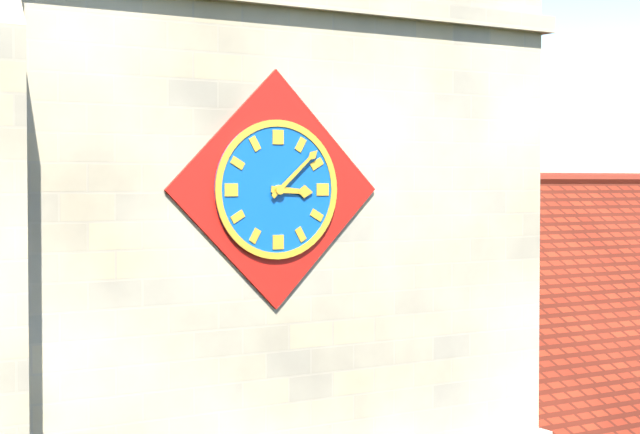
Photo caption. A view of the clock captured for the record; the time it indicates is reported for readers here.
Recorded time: 3:08
